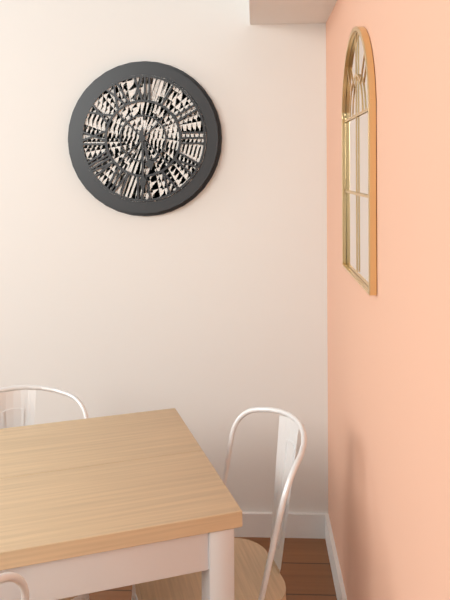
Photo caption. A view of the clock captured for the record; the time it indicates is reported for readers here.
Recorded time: 5:30
